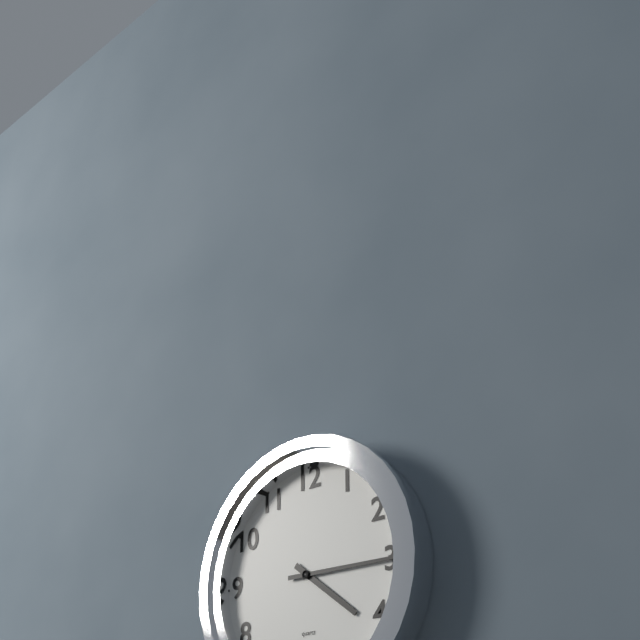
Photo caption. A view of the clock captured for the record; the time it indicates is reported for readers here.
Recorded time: 4:15
